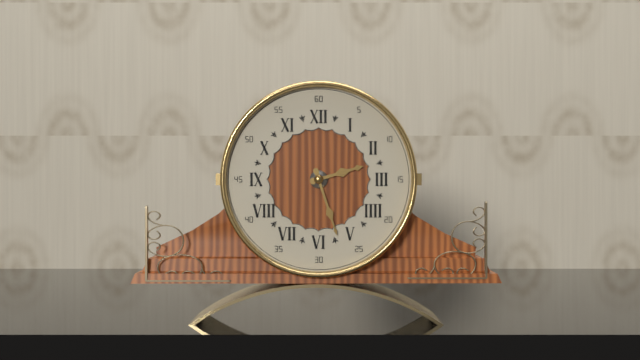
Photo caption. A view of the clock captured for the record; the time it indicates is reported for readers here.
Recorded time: 2:27
